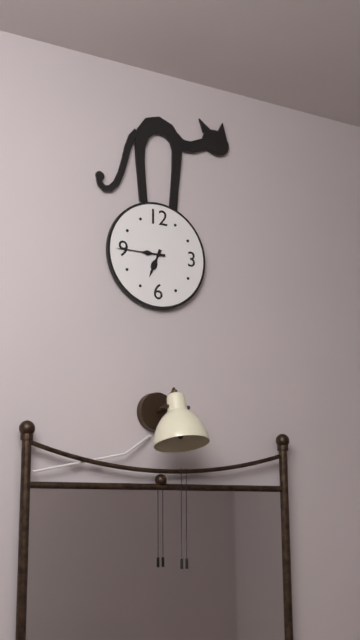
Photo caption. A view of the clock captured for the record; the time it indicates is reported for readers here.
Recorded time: 6:45
